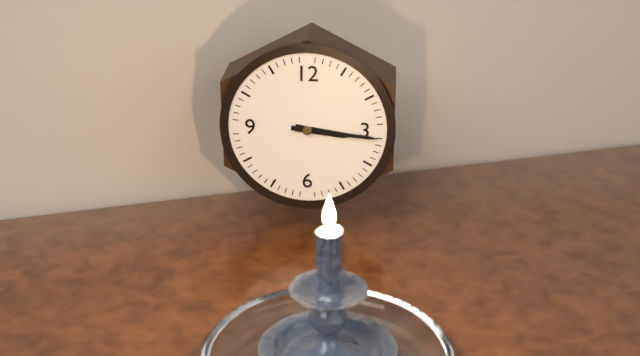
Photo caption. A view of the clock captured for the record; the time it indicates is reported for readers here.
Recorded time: 3:16
